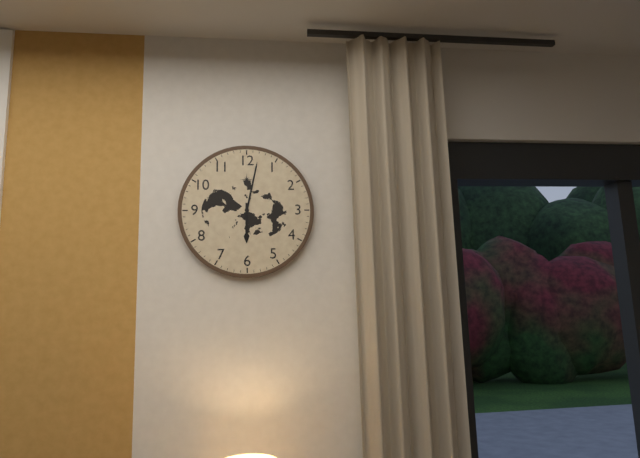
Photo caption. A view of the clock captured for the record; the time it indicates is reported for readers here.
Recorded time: 6:02
